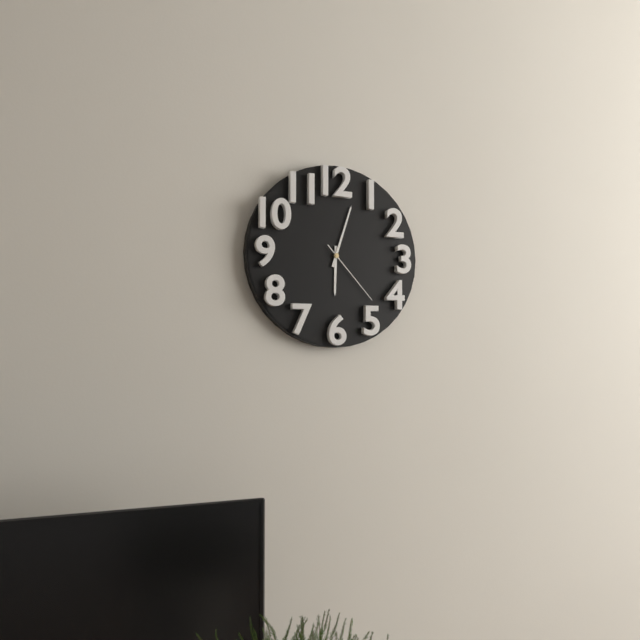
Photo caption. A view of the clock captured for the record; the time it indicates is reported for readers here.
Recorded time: 6:03:23
